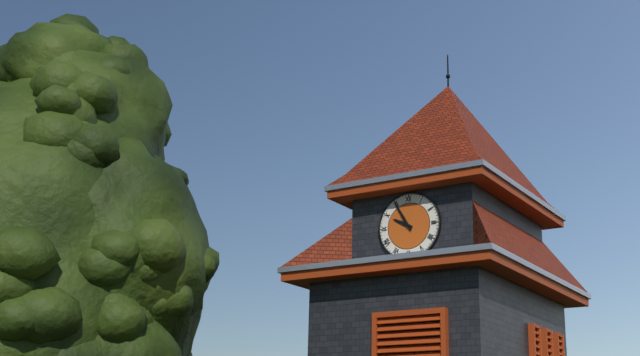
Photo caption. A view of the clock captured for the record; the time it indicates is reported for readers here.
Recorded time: 9:55
